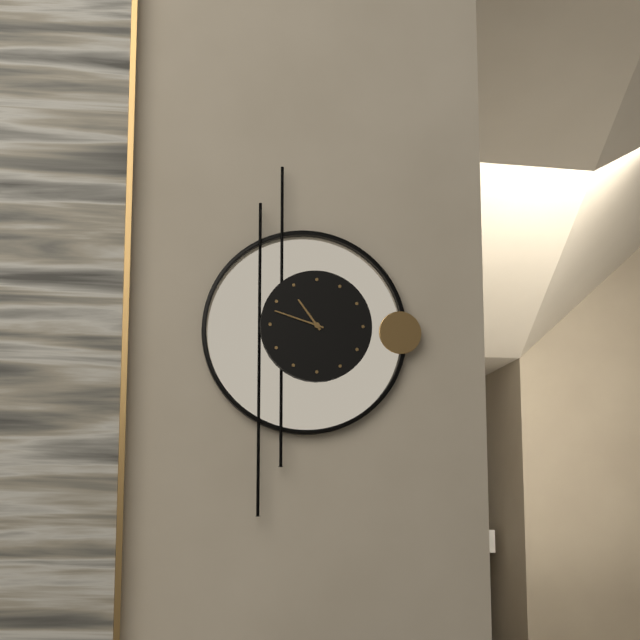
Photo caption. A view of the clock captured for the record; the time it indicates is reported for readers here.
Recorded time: 10:48
